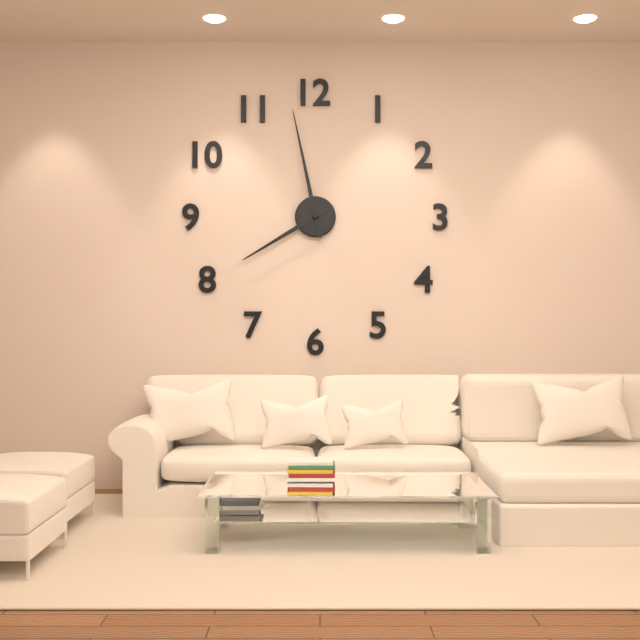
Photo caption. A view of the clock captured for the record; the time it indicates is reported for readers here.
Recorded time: 7:58
